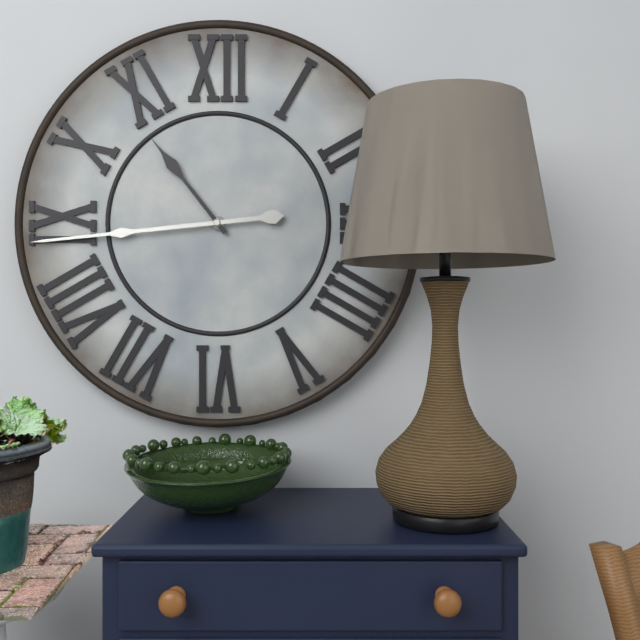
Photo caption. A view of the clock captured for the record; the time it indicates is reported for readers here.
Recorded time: 10:44
